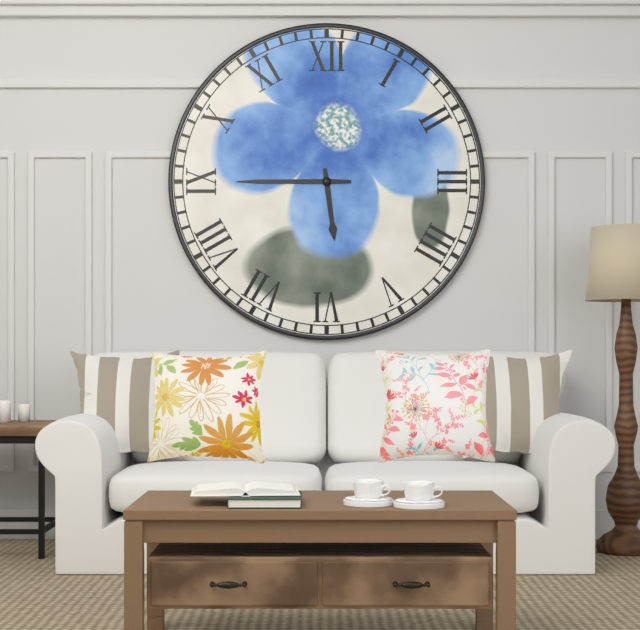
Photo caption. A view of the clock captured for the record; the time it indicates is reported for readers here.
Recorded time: 5:45
